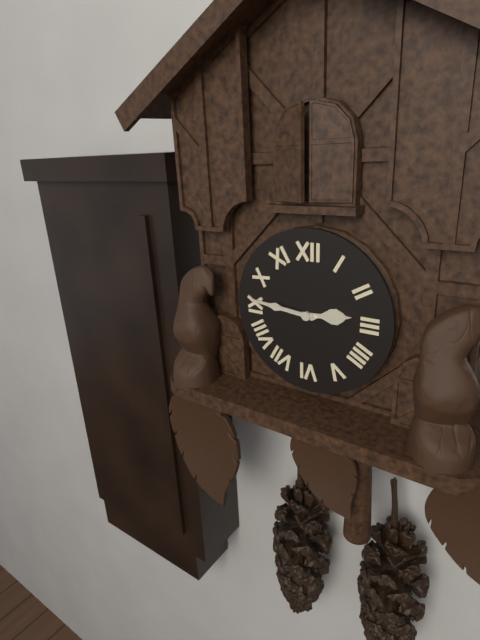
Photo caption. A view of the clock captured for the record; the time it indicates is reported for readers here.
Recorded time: 2:46
